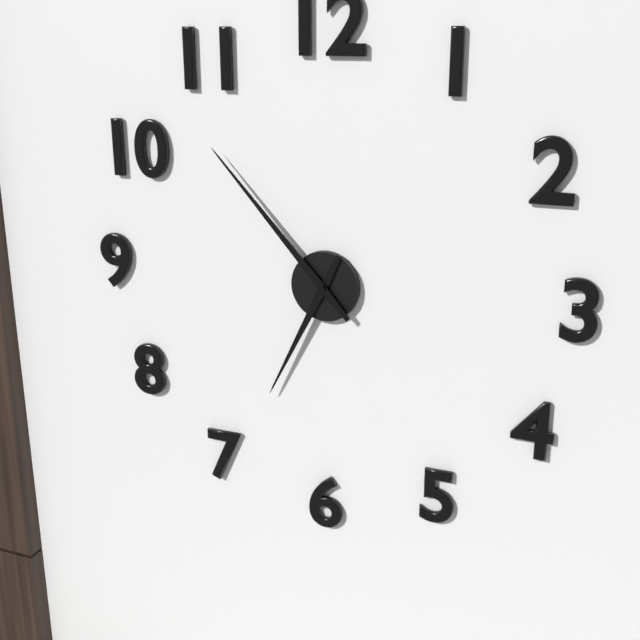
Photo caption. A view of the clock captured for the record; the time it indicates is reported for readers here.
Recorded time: 6:53
